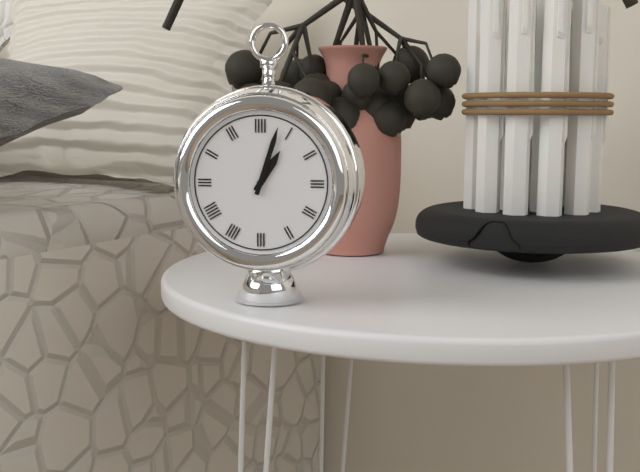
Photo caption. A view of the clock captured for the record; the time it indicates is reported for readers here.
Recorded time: 1:03
